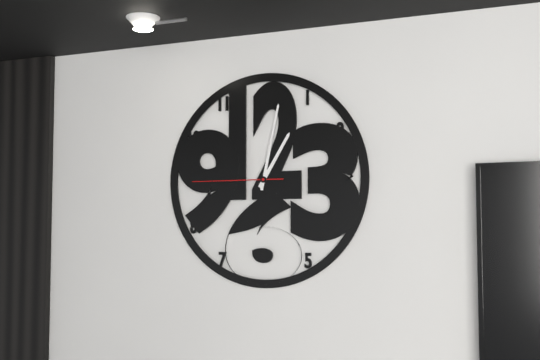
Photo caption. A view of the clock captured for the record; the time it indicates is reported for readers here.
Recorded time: 1:02:45
